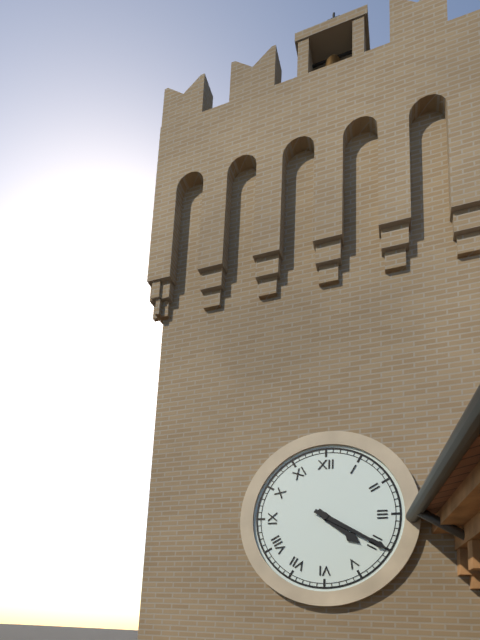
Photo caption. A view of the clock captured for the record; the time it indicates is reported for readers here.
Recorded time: 4:20
